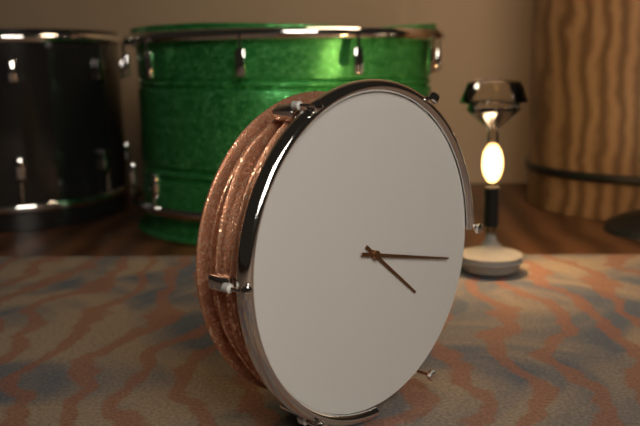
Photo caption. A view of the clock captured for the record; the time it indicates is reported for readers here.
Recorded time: 4:17
